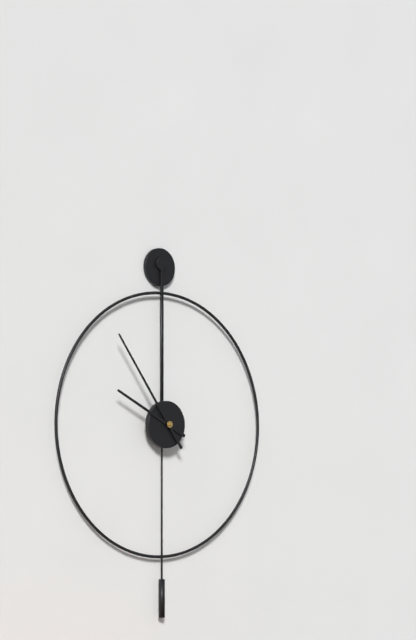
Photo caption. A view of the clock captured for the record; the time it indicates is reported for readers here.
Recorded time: 9:54
